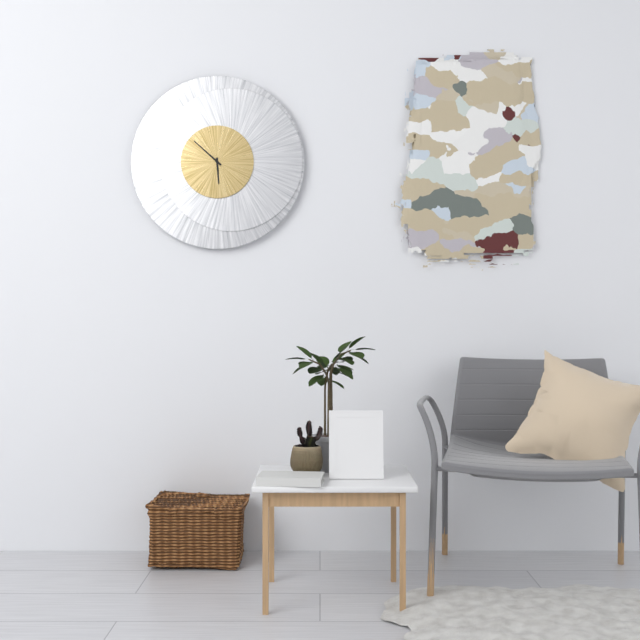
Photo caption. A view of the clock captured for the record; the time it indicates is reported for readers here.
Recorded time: 5:52
